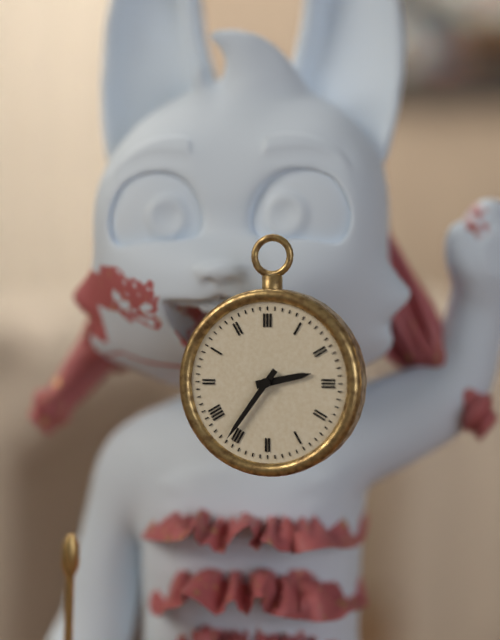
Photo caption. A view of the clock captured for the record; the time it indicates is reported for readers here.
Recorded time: 2:36
